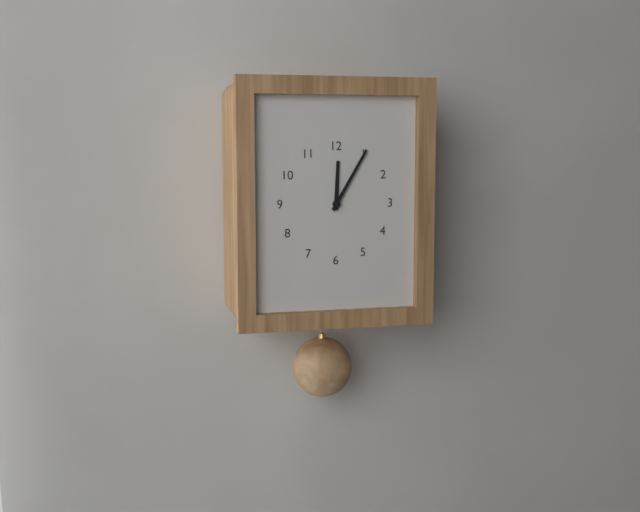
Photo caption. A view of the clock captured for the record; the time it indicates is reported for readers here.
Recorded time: 12:05
